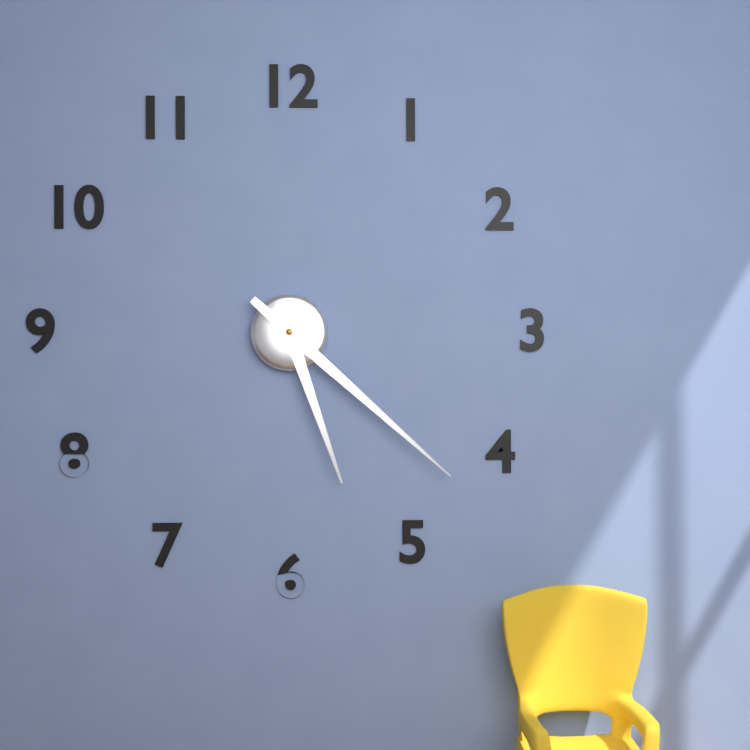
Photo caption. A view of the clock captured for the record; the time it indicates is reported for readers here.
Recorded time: 5:22
